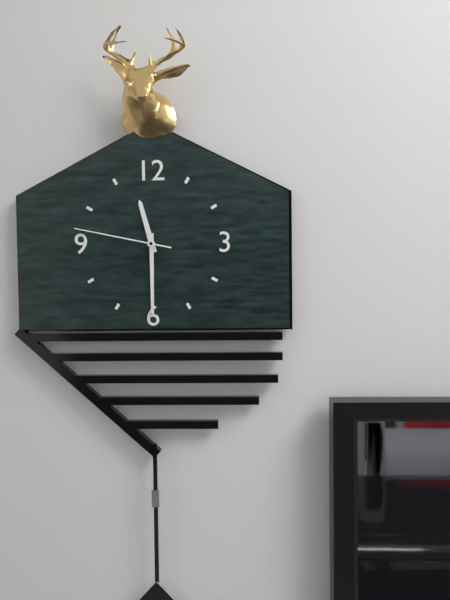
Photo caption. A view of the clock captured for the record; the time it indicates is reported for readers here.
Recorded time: 11:30:47
